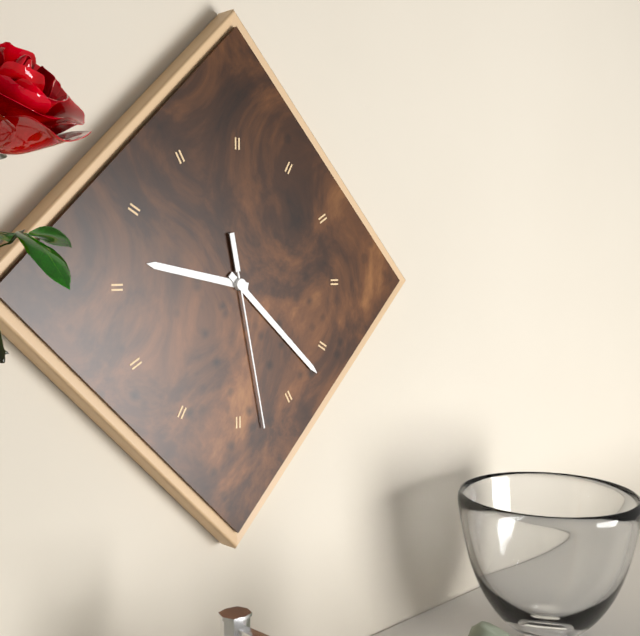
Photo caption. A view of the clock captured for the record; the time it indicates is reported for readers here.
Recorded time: 9:22:28
